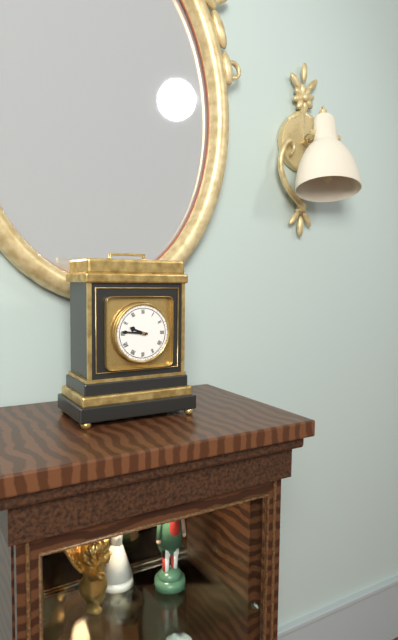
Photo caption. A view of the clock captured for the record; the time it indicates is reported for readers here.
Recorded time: 9:46
